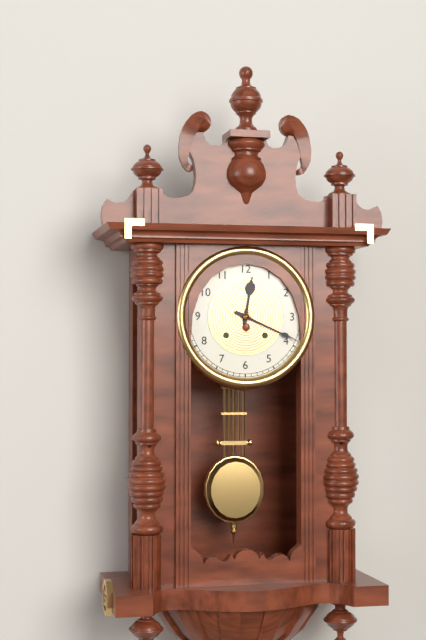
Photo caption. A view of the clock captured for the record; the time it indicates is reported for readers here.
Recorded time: 12:19
